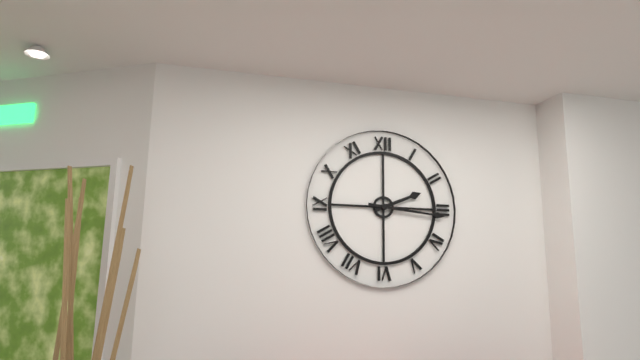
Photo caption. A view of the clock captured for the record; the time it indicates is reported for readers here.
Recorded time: 2:16
